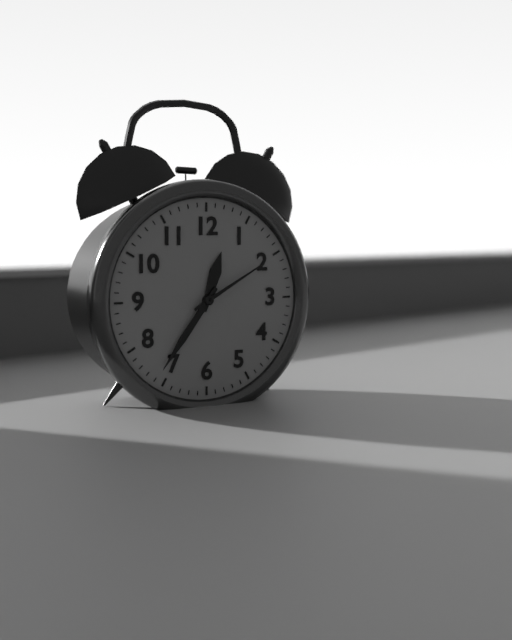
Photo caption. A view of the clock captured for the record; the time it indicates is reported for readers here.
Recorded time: 12:36:10
